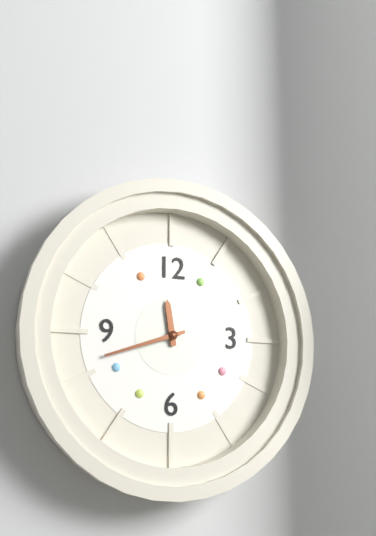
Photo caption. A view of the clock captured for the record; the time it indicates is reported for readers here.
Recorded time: 11:42
